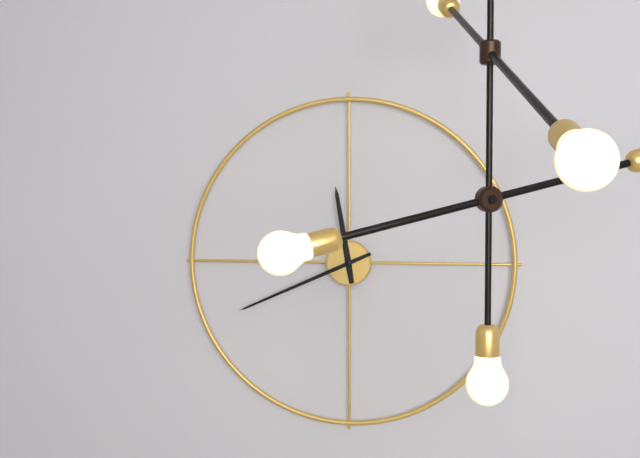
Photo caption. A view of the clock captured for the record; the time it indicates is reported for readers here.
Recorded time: 11:41
